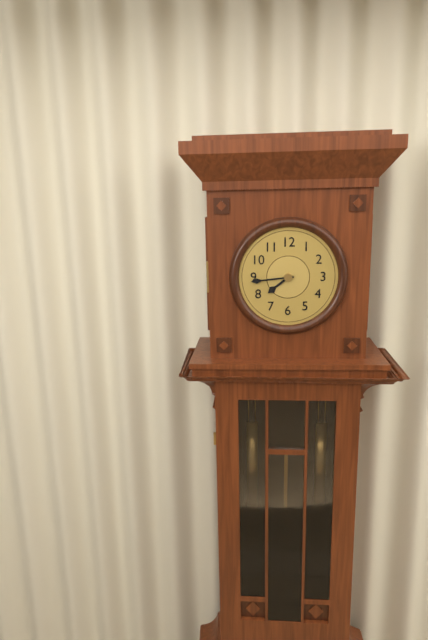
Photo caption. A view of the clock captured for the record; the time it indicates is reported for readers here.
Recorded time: 7:44
